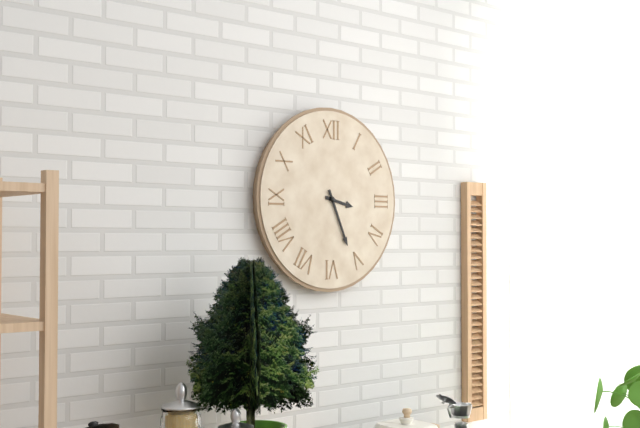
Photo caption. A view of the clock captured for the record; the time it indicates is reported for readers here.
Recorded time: 3:26
